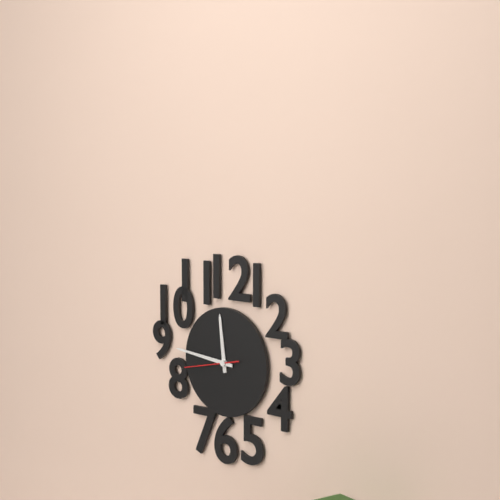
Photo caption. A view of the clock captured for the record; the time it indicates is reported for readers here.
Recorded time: 11:46
